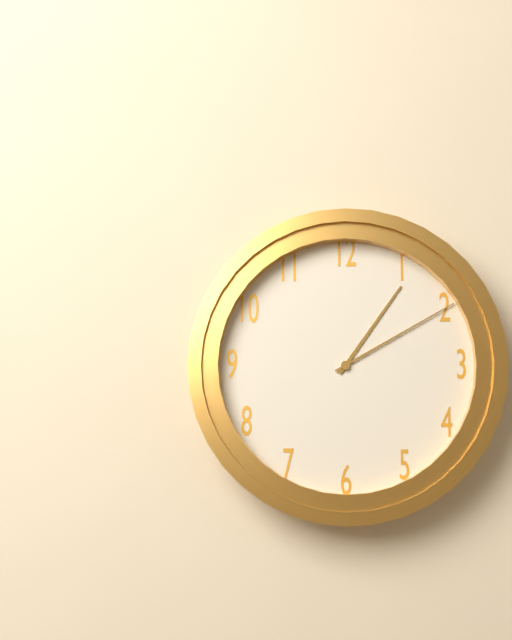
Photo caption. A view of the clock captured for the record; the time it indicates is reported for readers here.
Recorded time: 1:10
